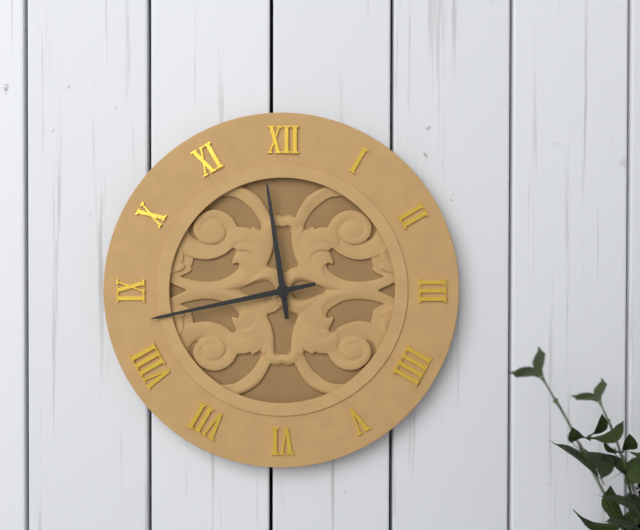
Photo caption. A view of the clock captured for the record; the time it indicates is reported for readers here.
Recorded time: 11:43
